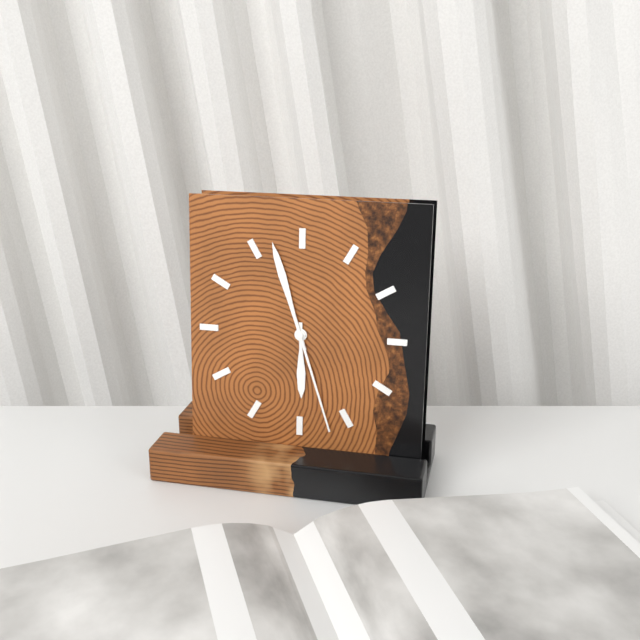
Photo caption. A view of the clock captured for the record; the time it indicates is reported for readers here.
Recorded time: 5:57:27
